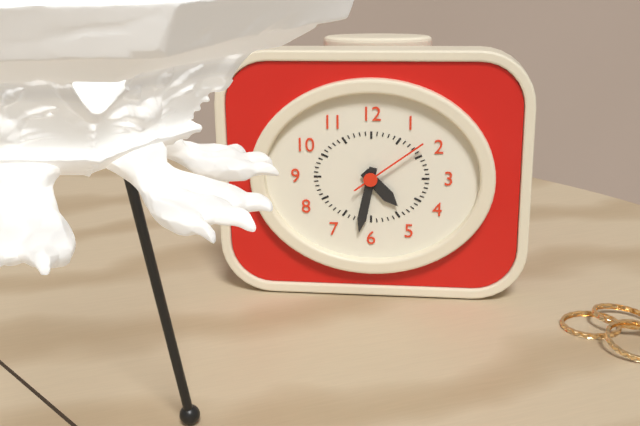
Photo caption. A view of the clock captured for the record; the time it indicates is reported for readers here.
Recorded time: 4:32:09
